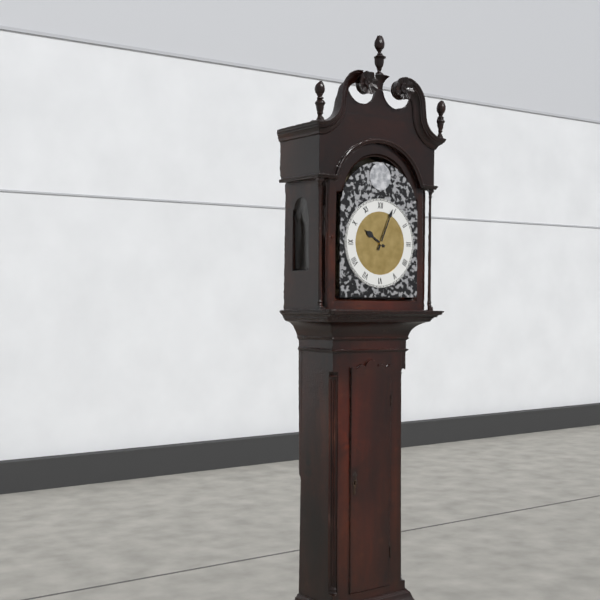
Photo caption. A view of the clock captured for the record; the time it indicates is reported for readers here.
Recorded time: 10:04
